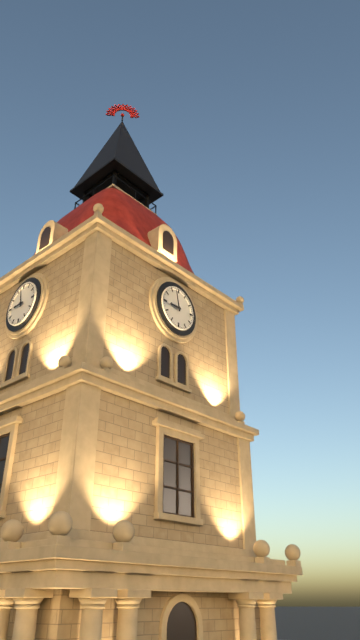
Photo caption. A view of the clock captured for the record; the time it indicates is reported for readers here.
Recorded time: 8:58
